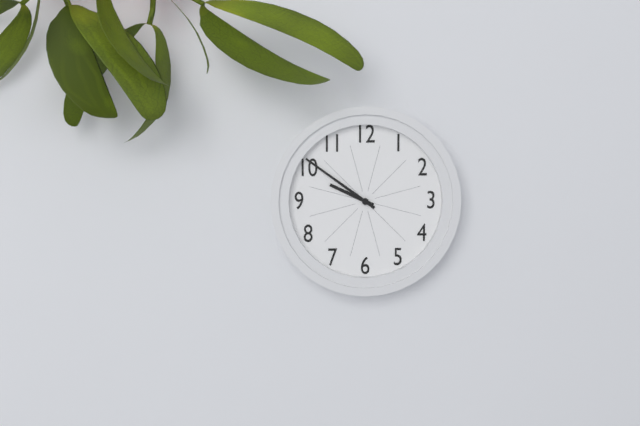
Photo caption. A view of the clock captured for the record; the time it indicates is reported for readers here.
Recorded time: 9:51
